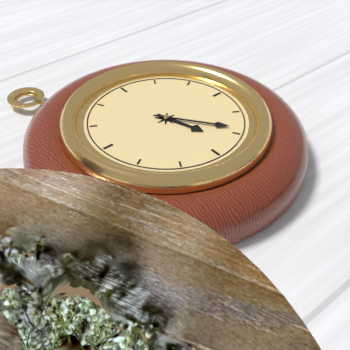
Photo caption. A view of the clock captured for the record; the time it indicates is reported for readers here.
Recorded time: 5:24
